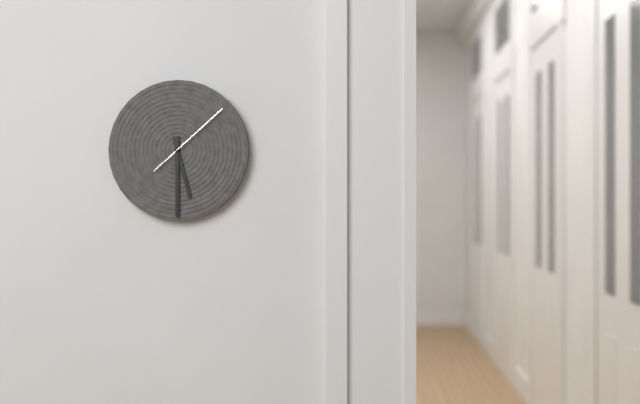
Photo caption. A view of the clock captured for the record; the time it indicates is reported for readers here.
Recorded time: 5:30:08
